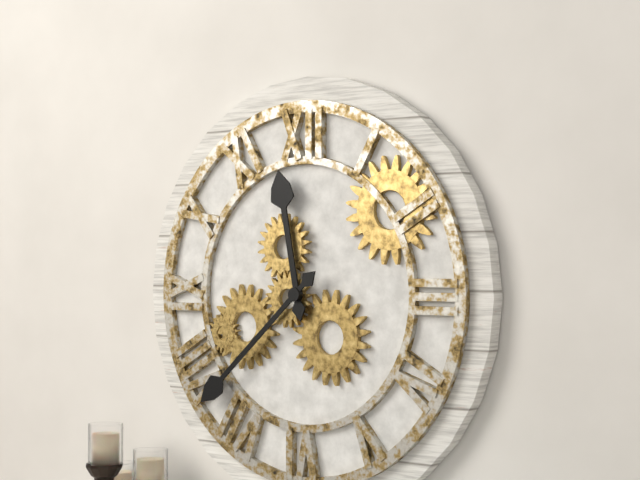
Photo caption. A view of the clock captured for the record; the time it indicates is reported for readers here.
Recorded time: 11:38
